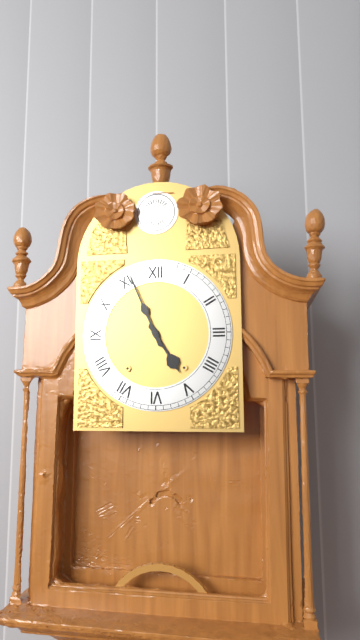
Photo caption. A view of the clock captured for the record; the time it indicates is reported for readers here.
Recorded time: 4:56
